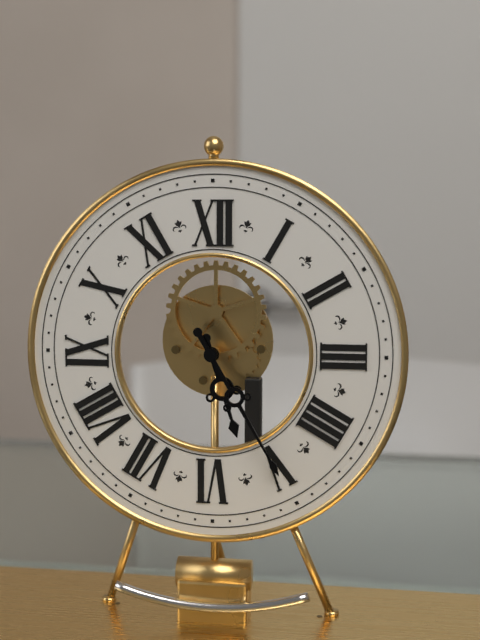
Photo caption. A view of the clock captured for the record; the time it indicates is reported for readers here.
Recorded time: 5:25
